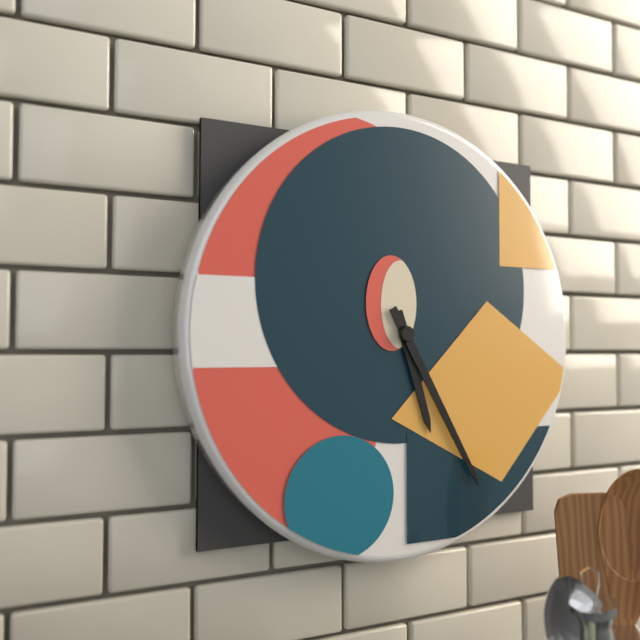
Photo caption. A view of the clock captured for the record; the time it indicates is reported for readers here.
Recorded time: 5:25
